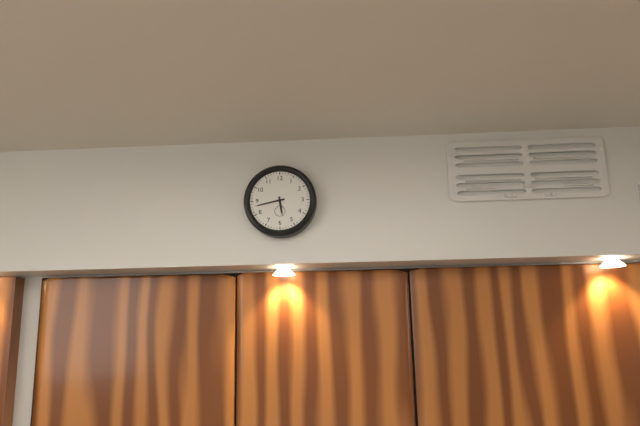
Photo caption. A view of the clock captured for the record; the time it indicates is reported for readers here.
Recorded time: 5:43
